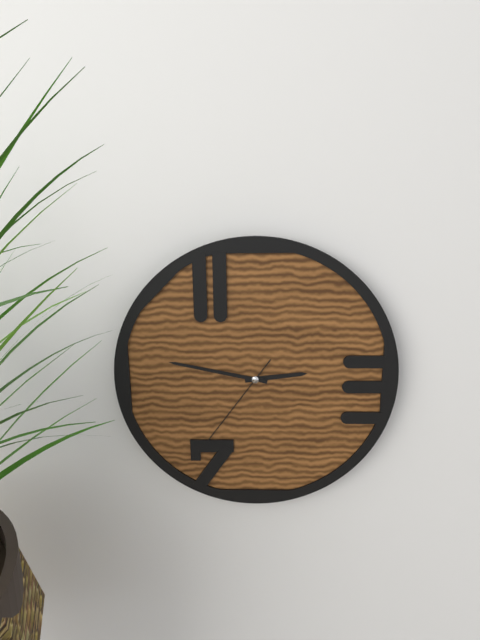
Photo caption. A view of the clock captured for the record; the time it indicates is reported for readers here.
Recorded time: 2:47:36
